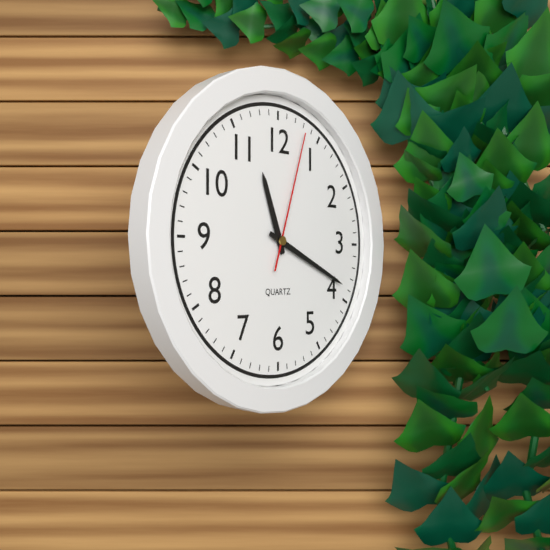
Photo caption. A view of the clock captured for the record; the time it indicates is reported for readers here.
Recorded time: 11:19:03
